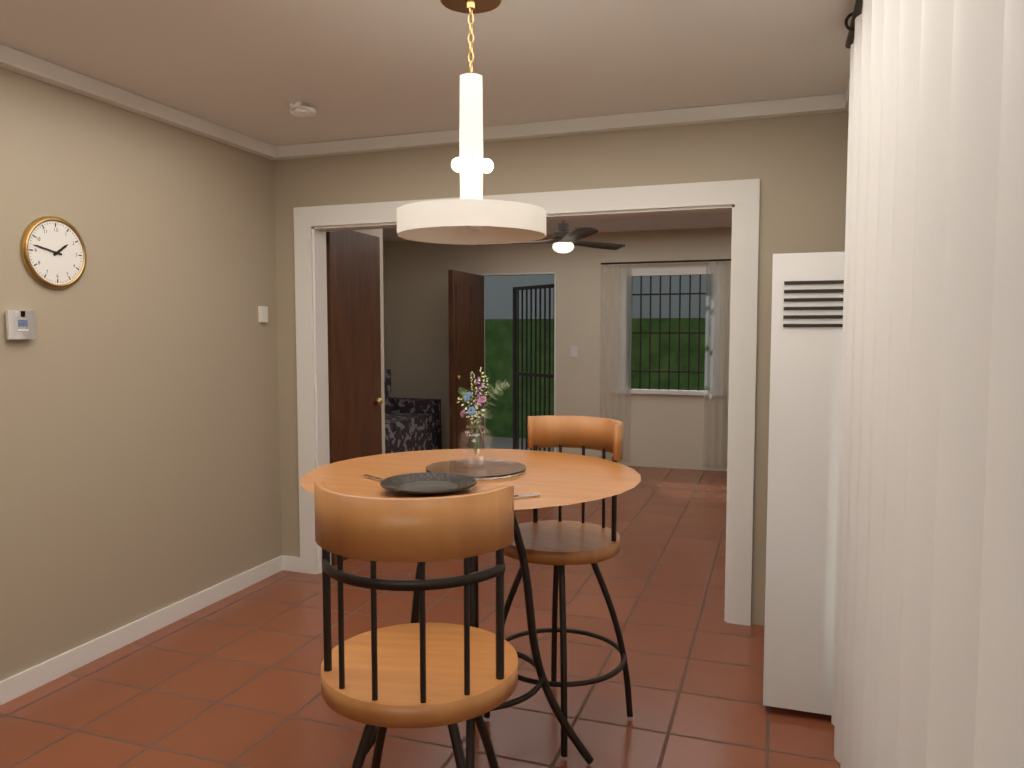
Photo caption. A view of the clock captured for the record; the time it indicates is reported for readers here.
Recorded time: 1:47
